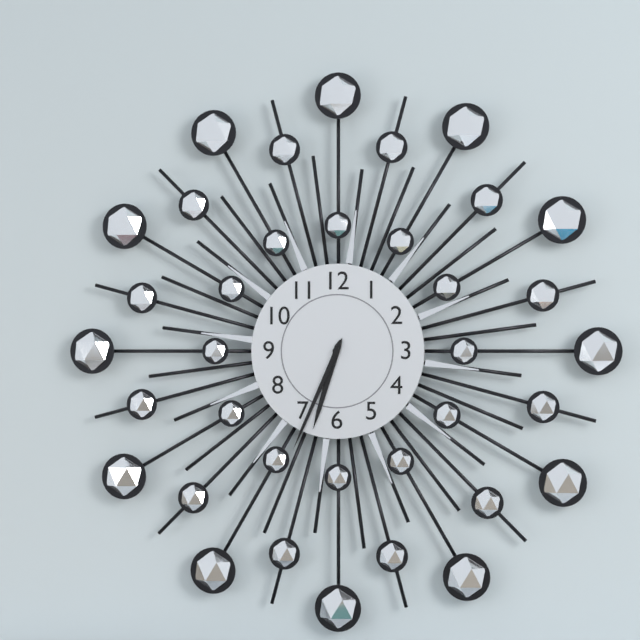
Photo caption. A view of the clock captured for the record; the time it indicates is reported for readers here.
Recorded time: 6:34
